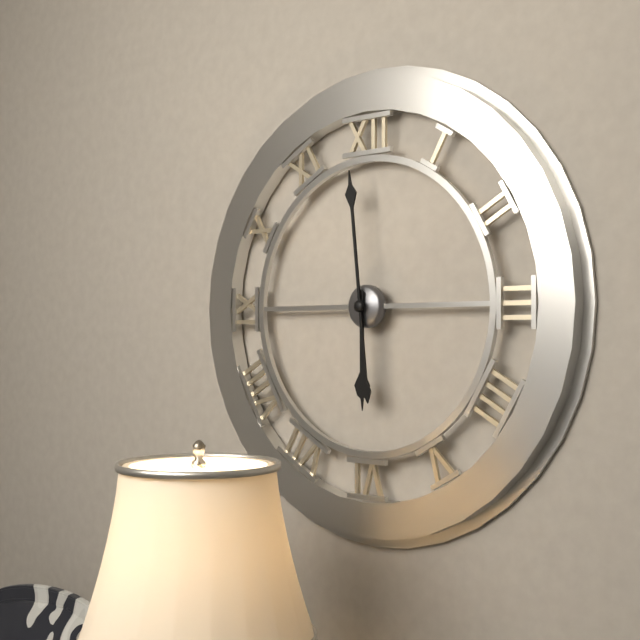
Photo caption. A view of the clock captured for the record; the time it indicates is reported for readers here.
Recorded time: 5:59
